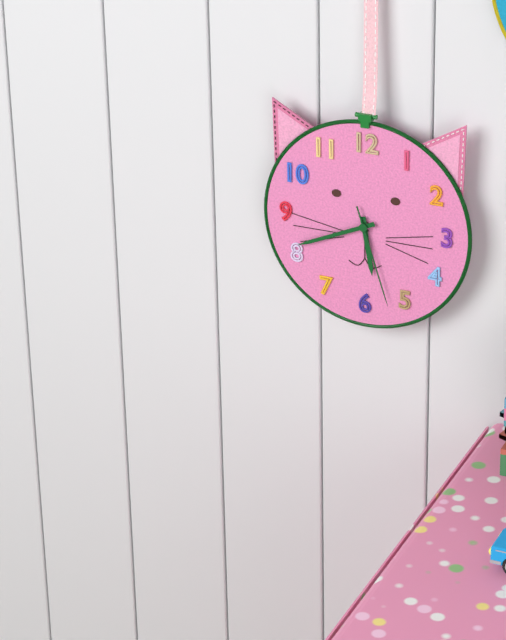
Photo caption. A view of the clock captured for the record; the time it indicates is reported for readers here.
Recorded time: 5:41:27
